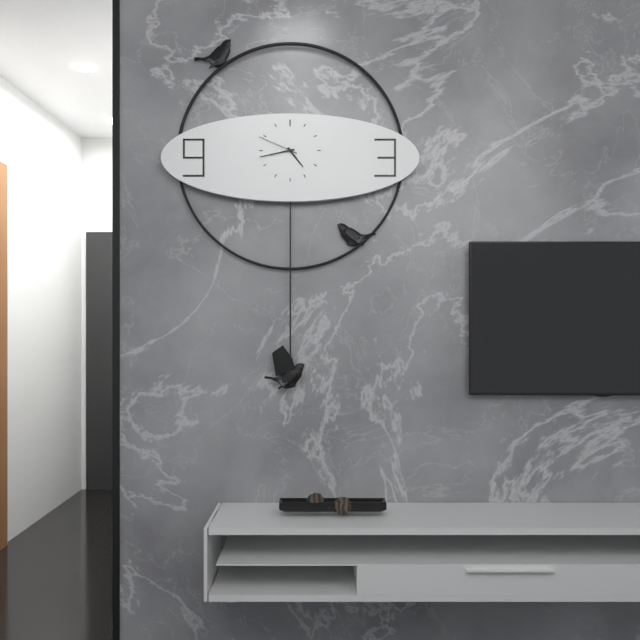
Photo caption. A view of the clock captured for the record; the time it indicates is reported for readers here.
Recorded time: 4:43
